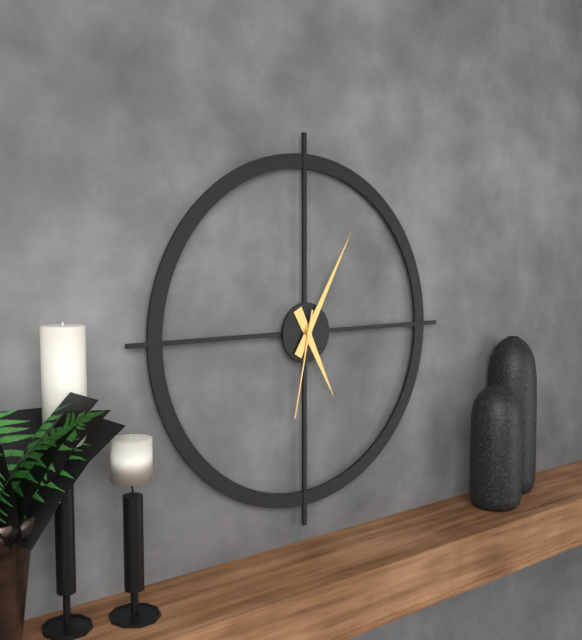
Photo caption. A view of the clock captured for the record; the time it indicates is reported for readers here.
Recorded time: 5:05:32
